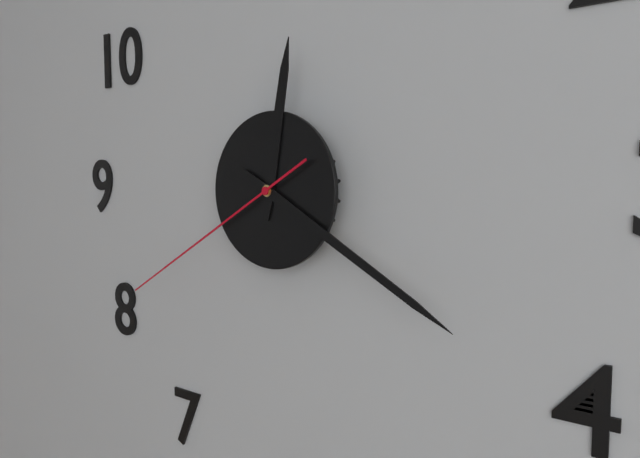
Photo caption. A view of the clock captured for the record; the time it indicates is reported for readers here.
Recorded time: 12:20:40
